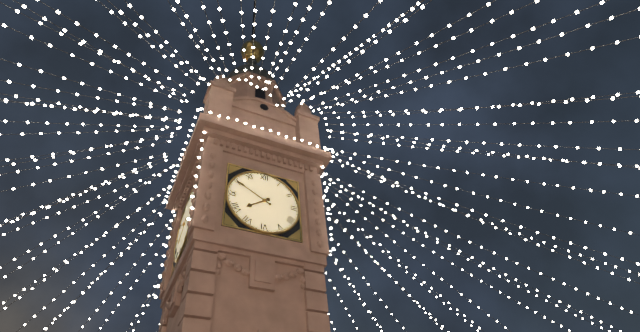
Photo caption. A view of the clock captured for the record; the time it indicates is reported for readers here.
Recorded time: 7:50
